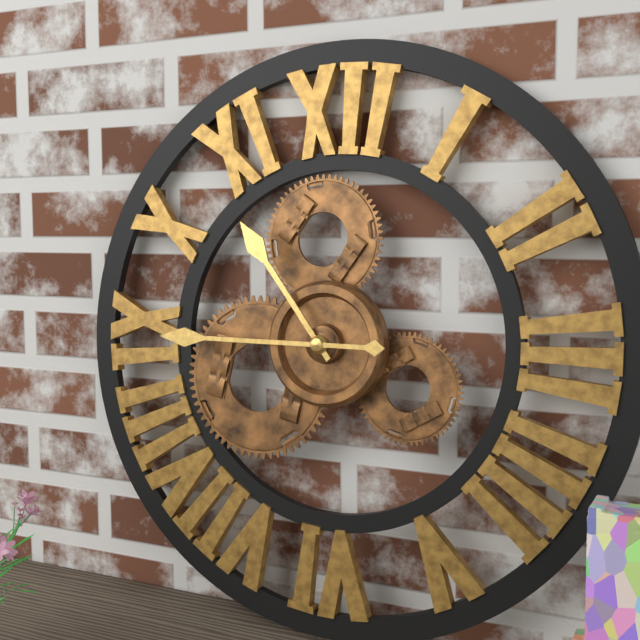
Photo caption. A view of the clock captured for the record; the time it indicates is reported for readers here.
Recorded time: 10:45
